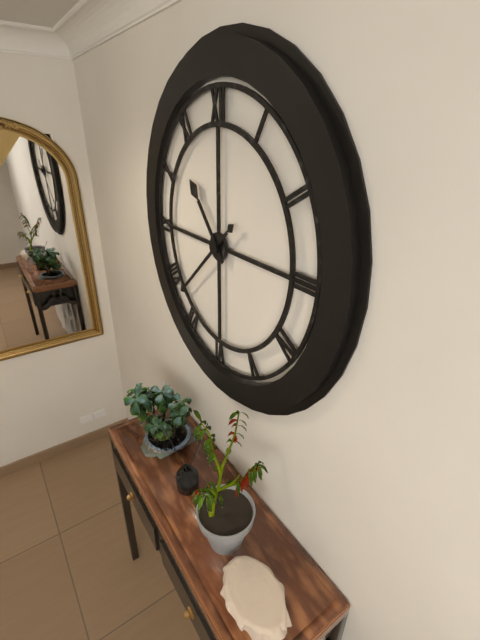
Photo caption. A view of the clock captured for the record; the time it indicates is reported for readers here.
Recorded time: 10:38
